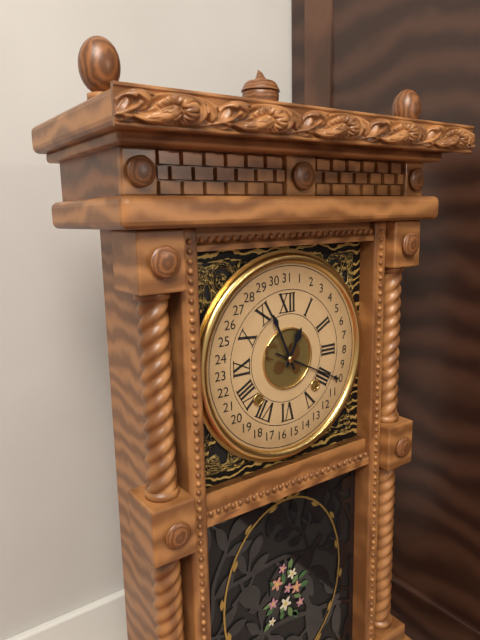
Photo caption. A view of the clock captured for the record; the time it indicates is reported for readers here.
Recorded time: 12:56
